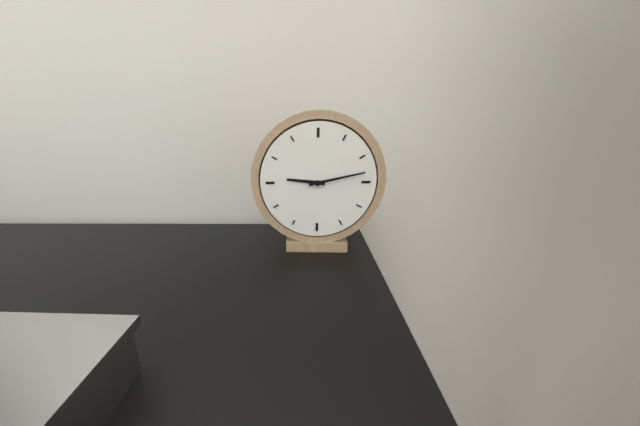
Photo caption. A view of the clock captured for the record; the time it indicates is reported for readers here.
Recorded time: 9:13
